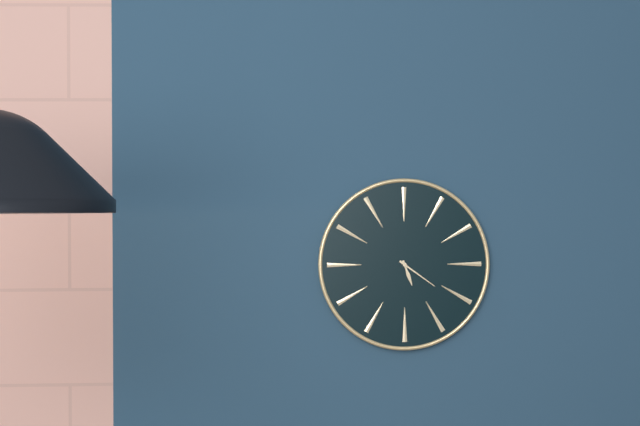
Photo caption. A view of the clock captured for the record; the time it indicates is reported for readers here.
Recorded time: 5:21
